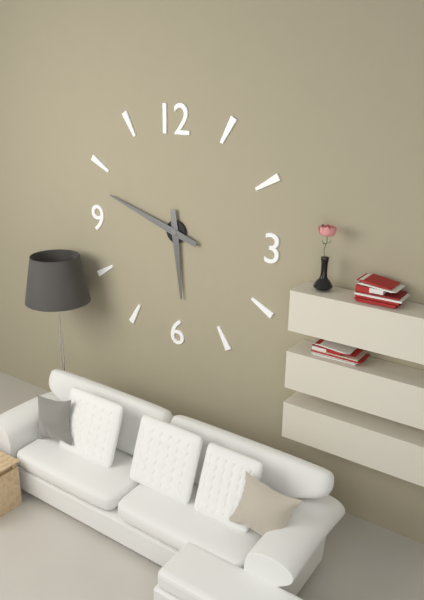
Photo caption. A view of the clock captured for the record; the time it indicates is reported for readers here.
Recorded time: 5:48
